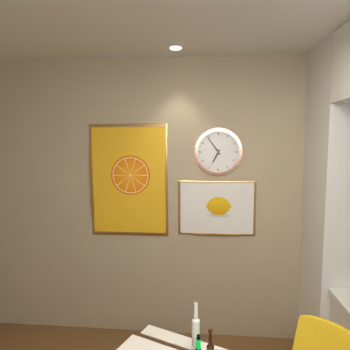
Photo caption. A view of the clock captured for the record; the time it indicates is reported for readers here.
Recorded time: 6:54
